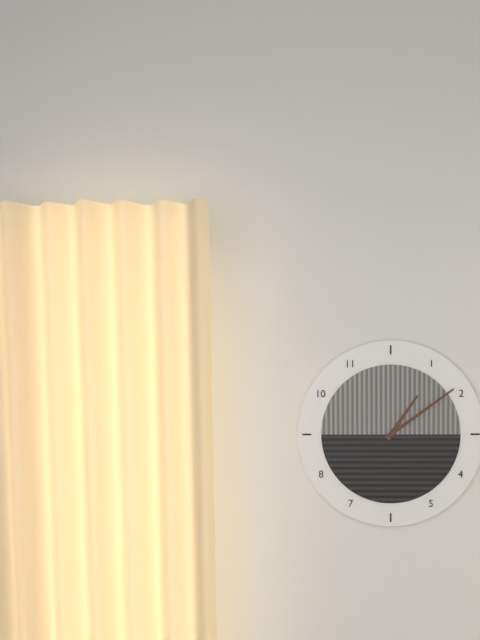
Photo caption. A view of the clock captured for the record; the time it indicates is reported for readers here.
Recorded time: 1:09
